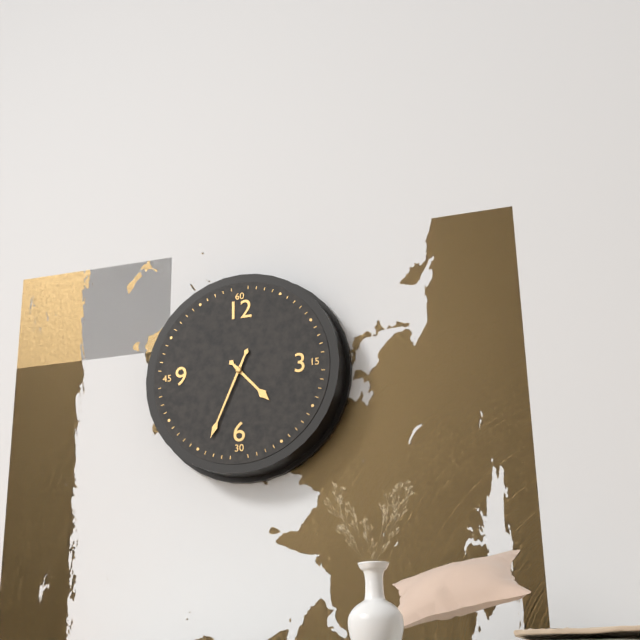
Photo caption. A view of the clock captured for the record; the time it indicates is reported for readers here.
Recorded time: 4:34
